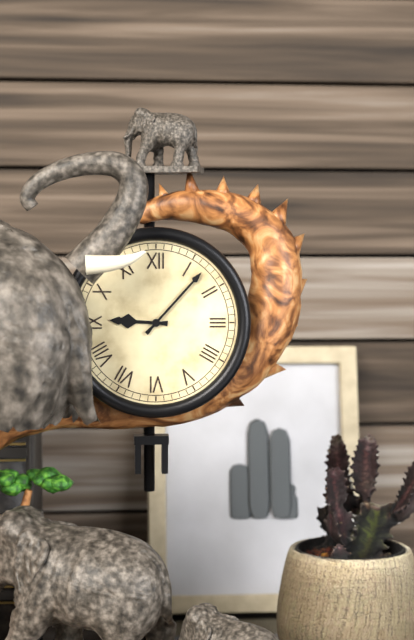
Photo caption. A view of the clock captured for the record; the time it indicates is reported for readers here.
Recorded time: 9:07
